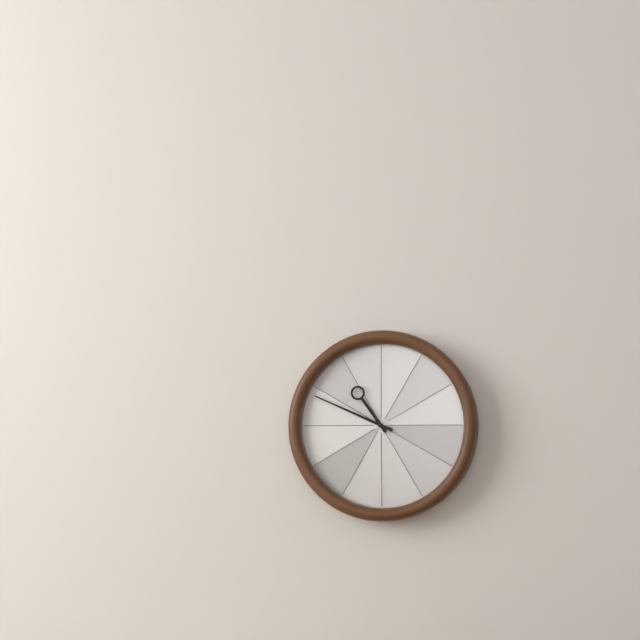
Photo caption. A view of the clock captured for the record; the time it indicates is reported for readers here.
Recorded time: 10:49
